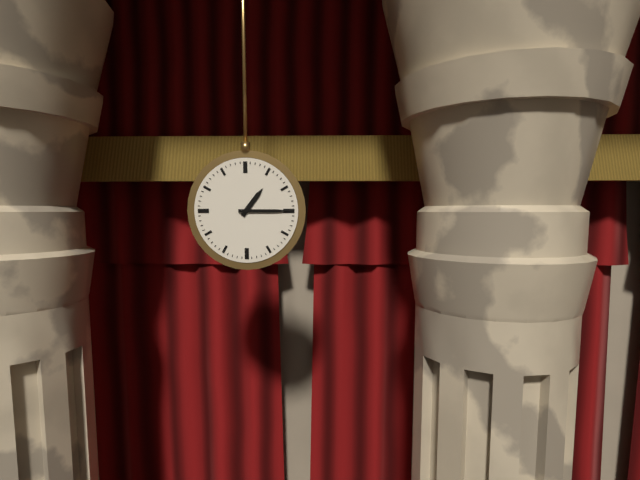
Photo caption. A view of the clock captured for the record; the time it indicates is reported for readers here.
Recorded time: 1:15
